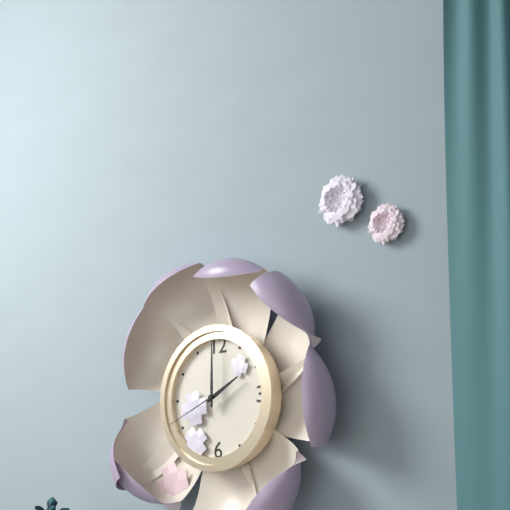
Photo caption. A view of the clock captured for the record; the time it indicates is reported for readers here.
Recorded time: 2:00:41
